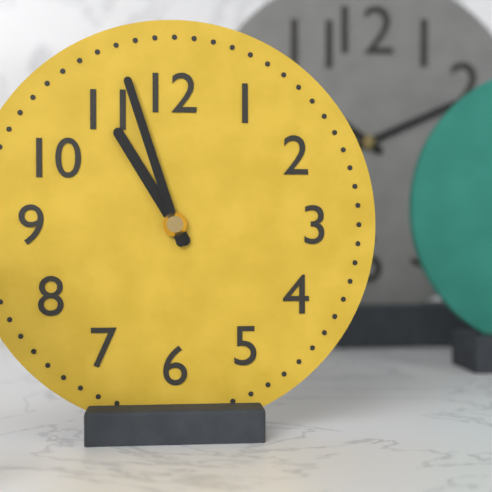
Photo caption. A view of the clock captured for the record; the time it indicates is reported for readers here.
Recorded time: 10:57
